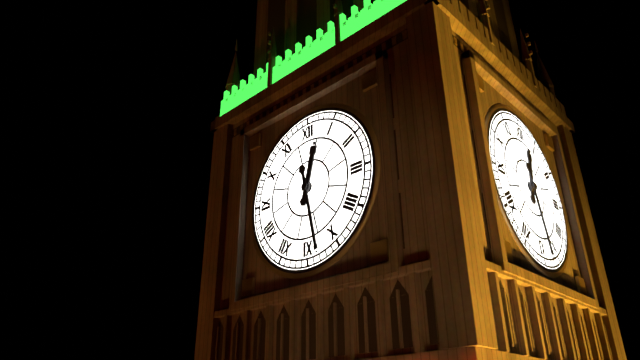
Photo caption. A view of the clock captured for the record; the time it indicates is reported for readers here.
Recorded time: 12:28
